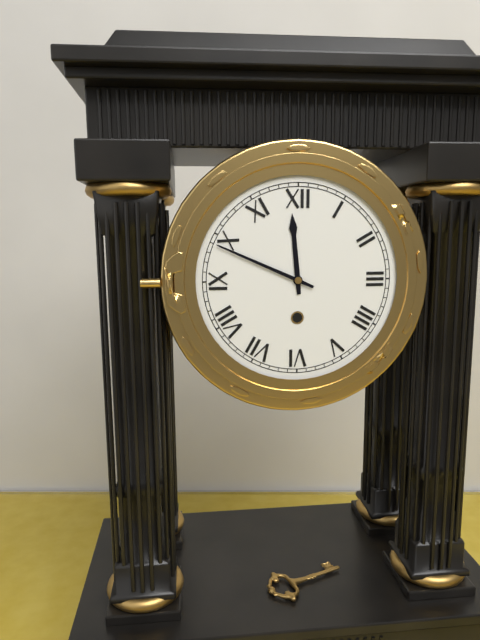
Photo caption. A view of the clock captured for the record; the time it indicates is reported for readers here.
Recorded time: 11:49
